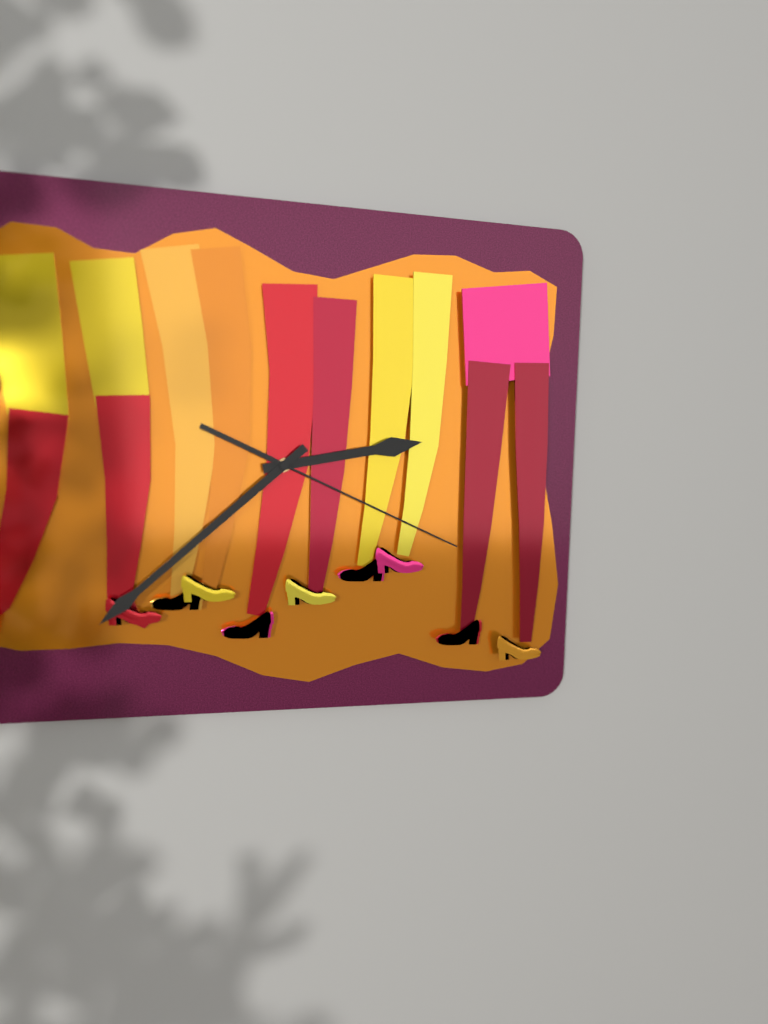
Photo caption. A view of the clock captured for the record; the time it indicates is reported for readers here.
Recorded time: 2:38:19
